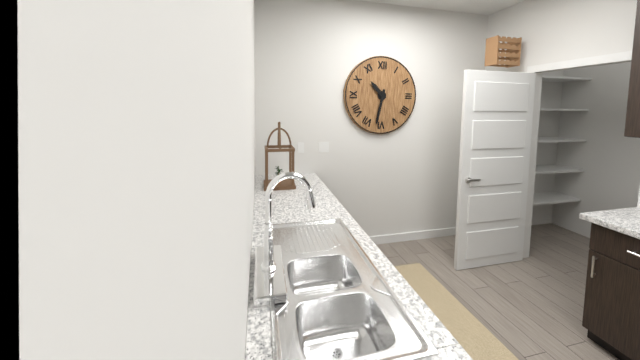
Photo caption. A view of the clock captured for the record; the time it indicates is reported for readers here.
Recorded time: 10:32
